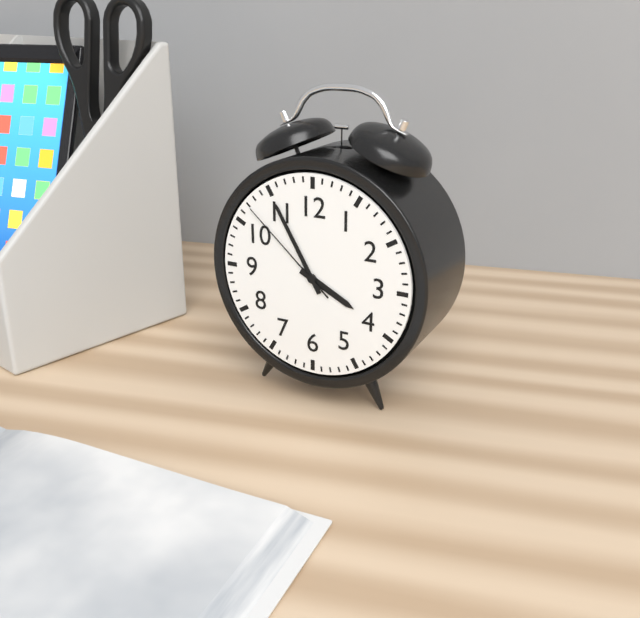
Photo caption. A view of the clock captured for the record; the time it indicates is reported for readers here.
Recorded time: 3:55:52
